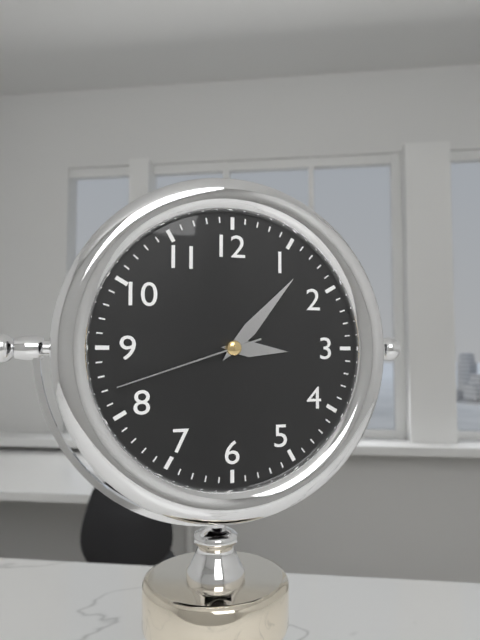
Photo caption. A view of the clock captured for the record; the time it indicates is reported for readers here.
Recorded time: 3:07:42
